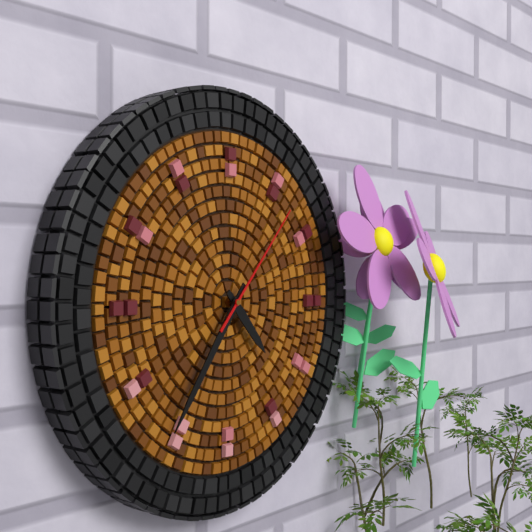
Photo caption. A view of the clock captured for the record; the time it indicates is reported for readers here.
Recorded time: 4:36:07
